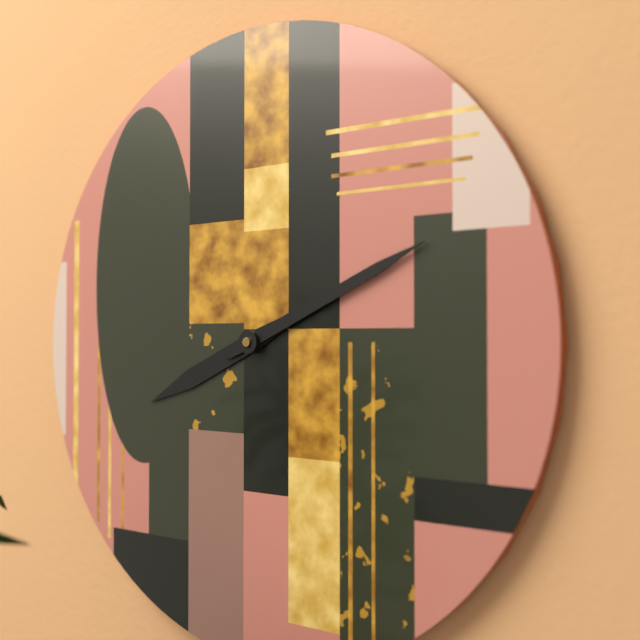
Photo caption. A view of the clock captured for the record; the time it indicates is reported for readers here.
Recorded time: 8:11
